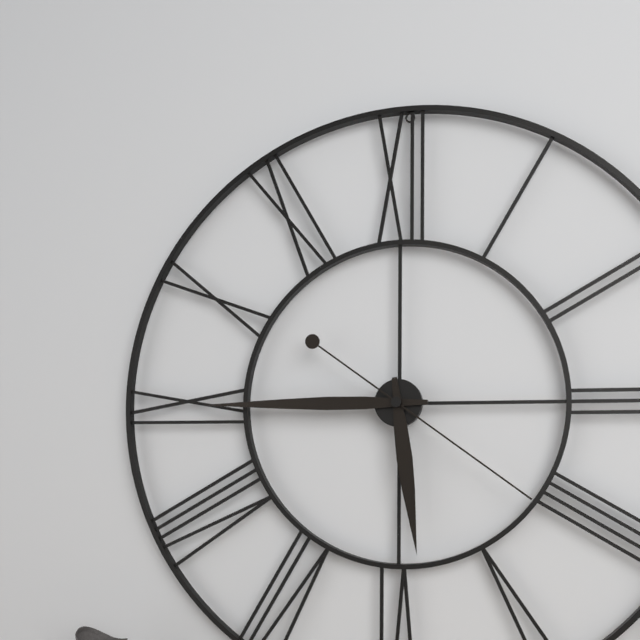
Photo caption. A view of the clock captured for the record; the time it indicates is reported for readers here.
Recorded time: 5:45:21
